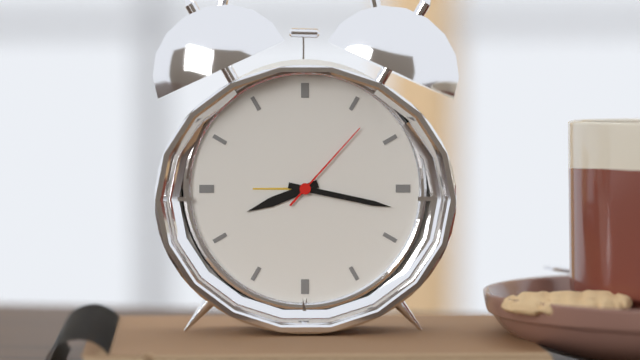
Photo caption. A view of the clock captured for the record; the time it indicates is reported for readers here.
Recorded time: 8:17:07
